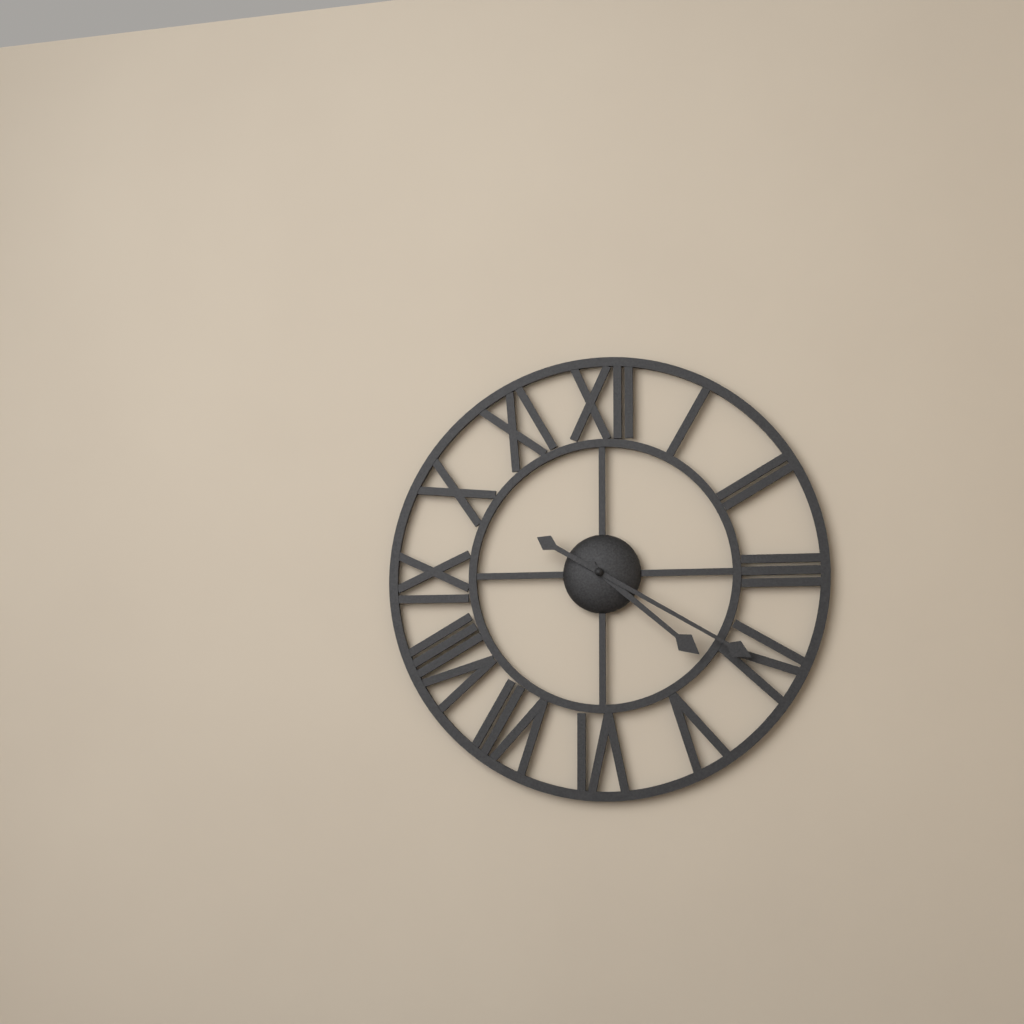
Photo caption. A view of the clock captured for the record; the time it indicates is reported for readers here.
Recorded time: 4:20
